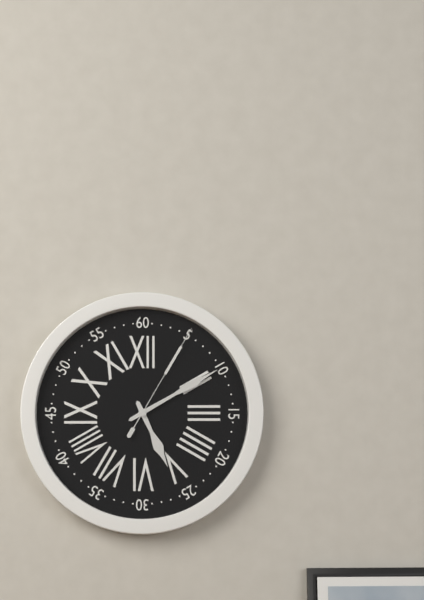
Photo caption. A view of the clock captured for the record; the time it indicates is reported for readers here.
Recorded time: 5:10:05
